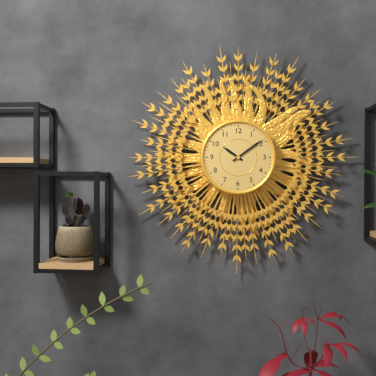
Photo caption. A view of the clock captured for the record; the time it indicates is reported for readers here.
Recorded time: 10:09
